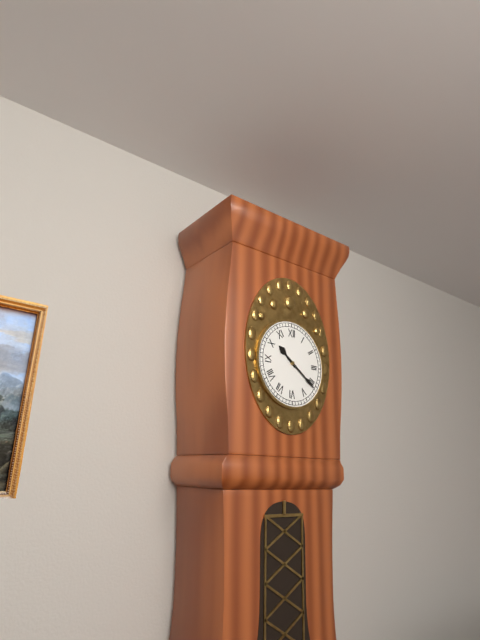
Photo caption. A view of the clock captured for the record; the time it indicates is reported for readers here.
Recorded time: 10:21
